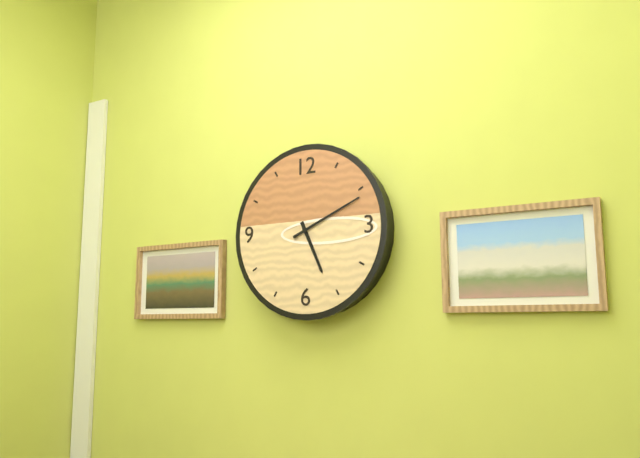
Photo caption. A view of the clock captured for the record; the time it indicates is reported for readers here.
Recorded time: 5:11
